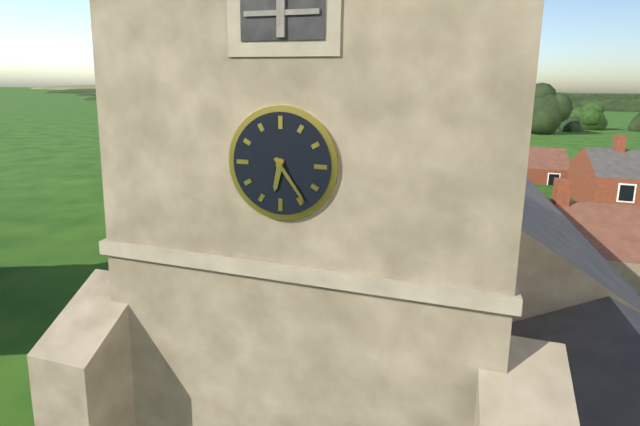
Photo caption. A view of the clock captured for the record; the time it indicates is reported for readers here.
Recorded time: 6:24
